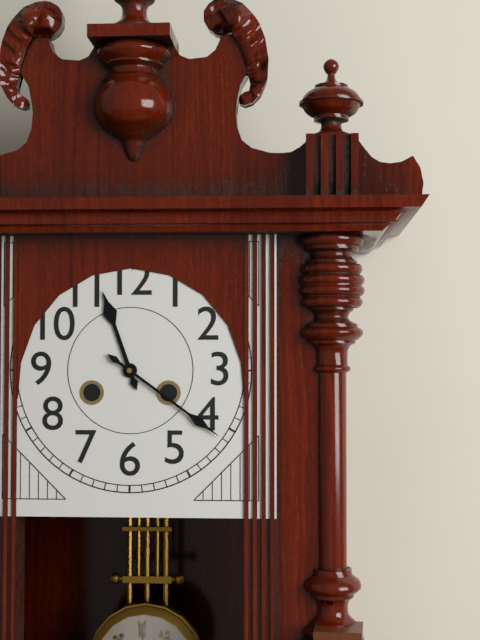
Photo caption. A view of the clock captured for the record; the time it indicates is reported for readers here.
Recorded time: 11:21
